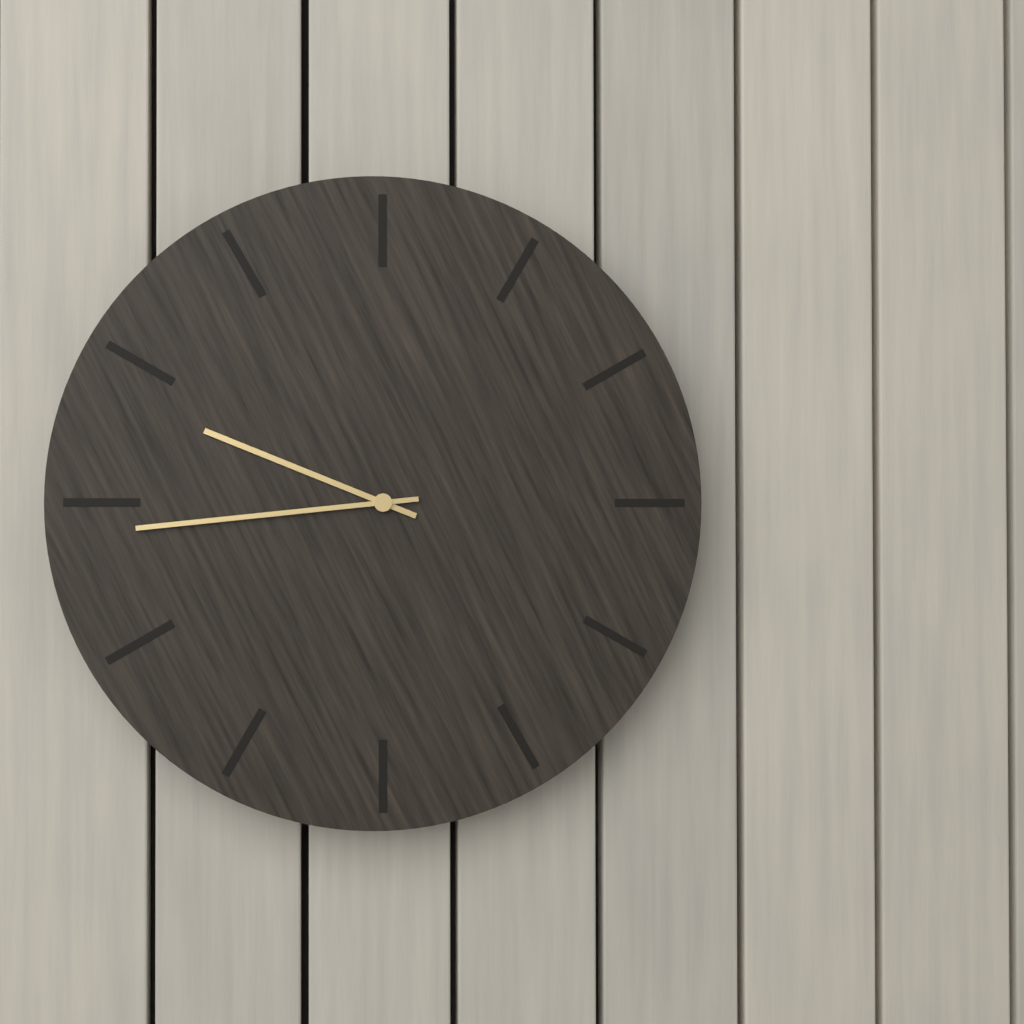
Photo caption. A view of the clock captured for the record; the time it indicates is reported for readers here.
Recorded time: 9:44
